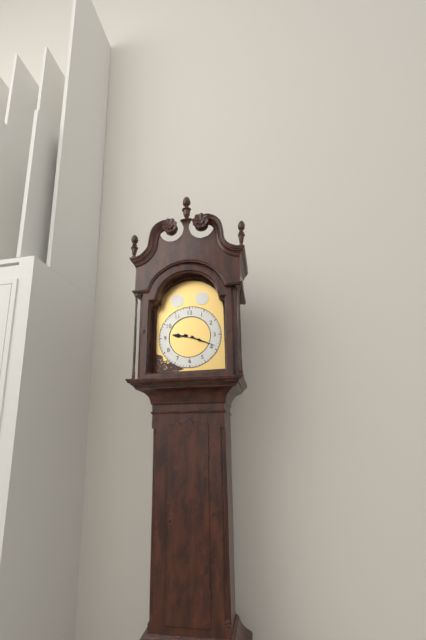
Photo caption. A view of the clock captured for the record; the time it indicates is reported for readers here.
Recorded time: 9:19
